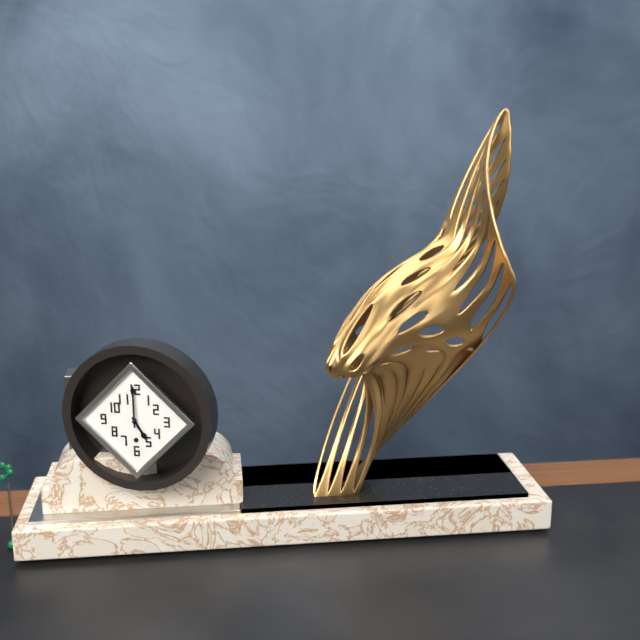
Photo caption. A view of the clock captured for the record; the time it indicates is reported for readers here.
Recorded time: 5:00
